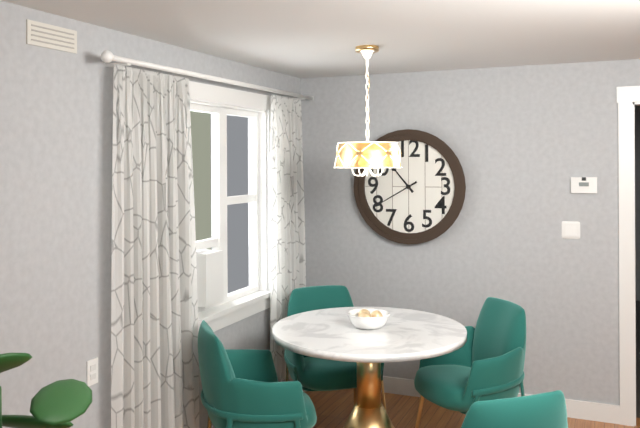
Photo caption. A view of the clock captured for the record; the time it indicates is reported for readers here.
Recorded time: 10:40
